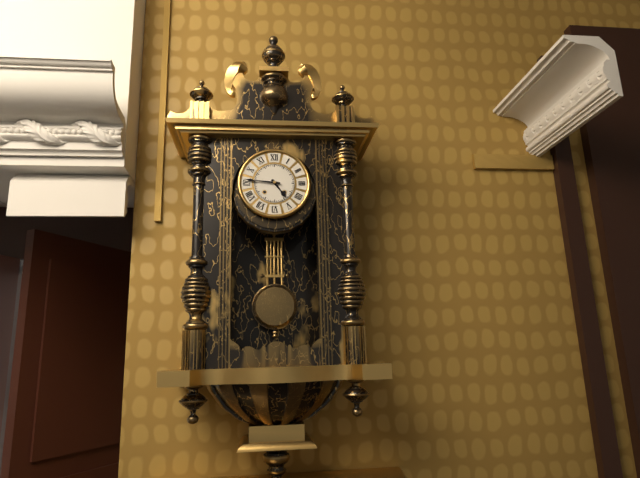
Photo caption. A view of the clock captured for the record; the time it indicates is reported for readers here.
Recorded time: 4:46
